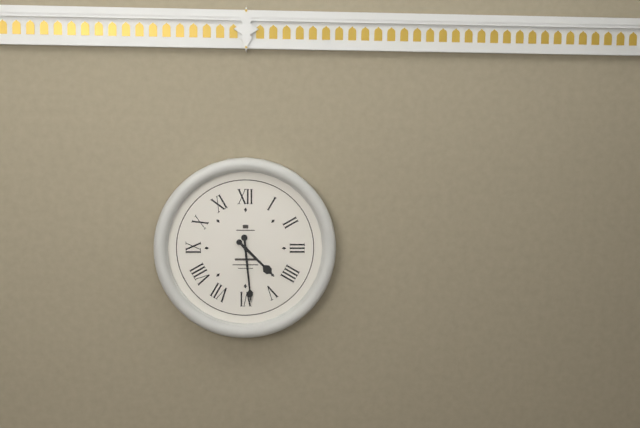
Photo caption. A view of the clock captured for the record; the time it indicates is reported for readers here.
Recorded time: 4:29
